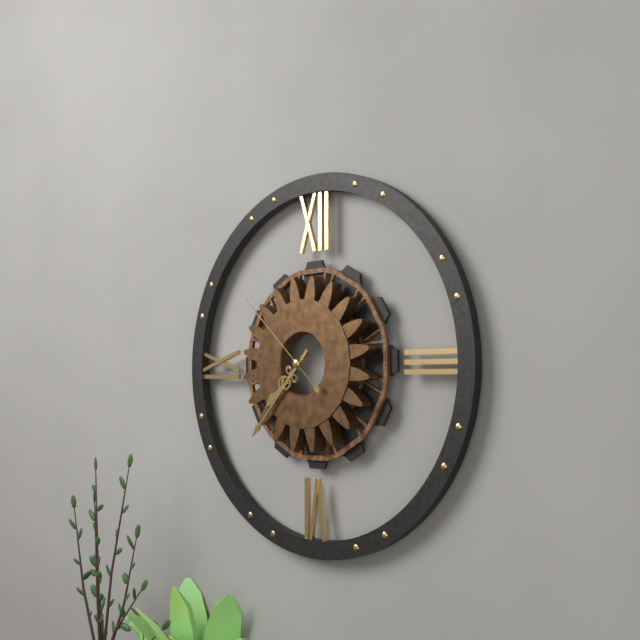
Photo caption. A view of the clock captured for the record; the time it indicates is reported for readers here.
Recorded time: 7:37:52
